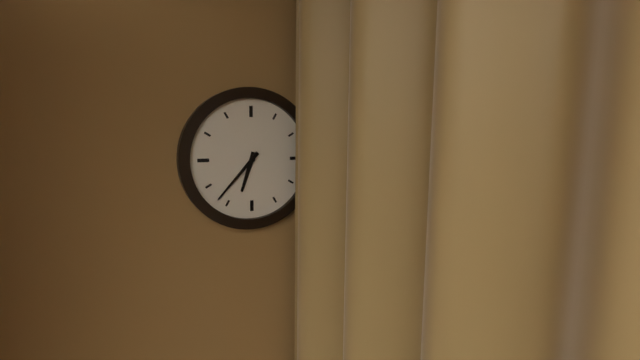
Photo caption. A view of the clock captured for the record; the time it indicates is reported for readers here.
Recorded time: 6:37
